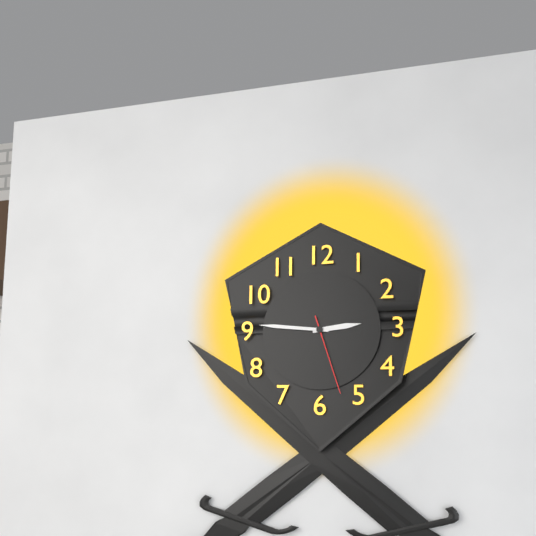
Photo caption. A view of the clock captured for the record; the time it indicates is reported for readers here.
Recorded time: 2:46:27
